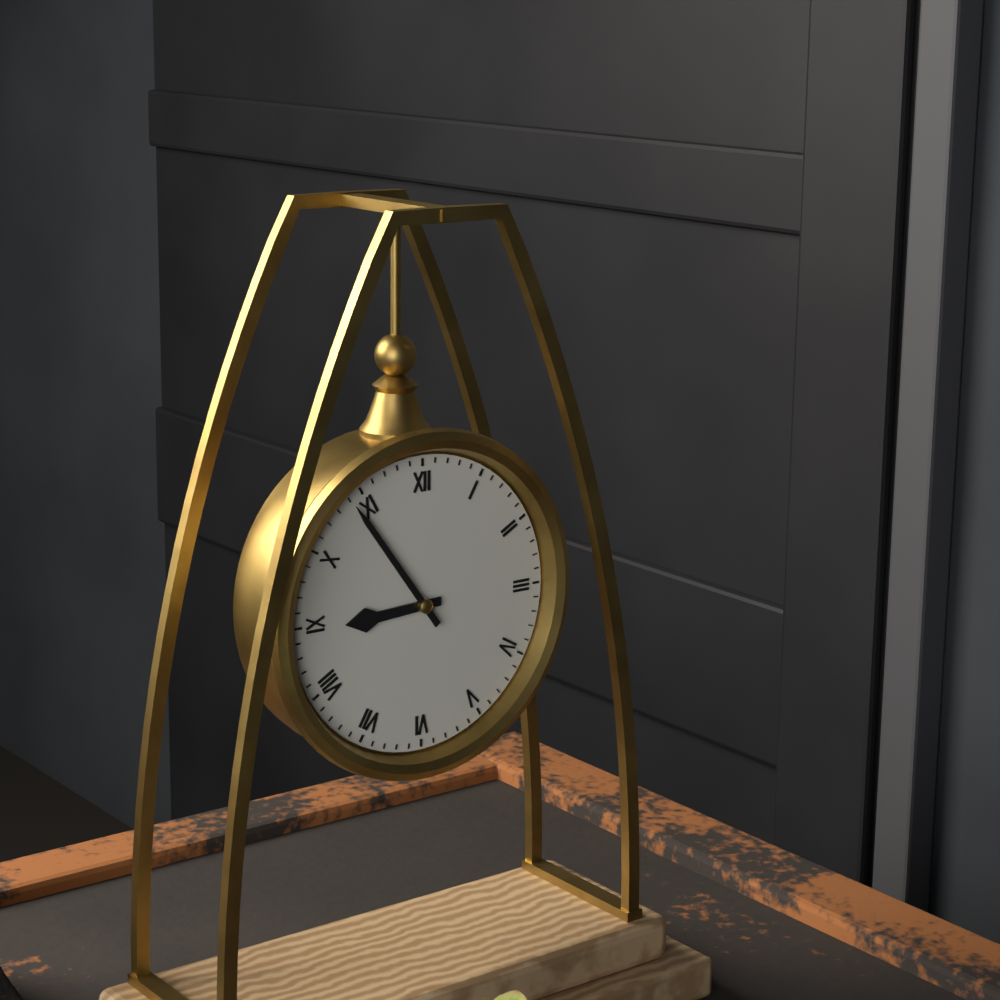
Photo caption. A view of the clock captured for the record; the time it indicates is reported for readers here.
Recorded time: 8:54
